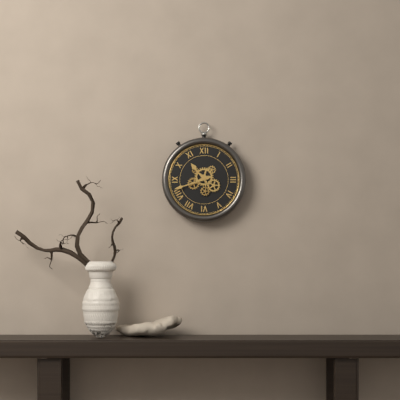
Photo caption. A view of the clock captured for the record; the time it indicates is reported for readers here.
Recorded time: 10:42
